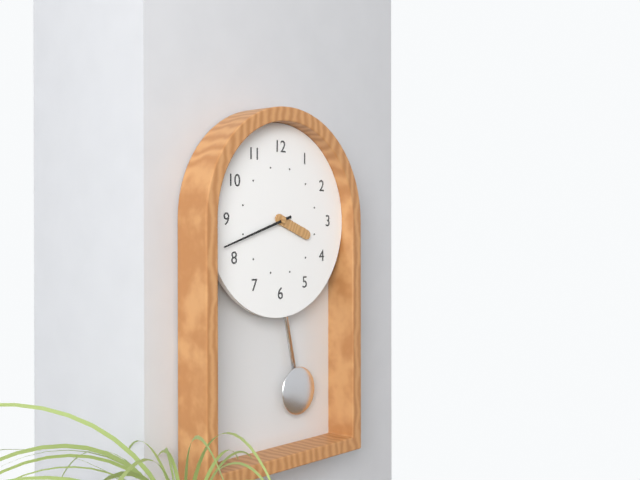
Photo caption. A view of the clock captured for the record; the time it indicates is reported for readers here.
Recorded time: 3:42
